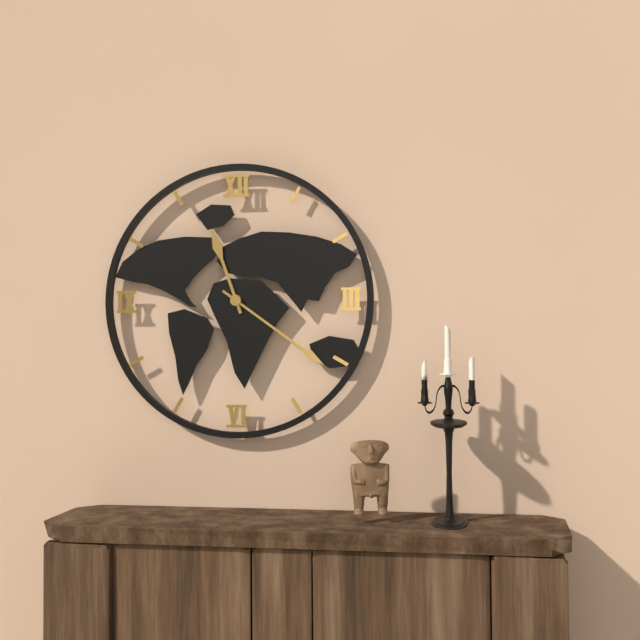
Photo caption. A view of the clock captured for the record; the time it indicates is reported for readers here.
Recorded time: 11:21
